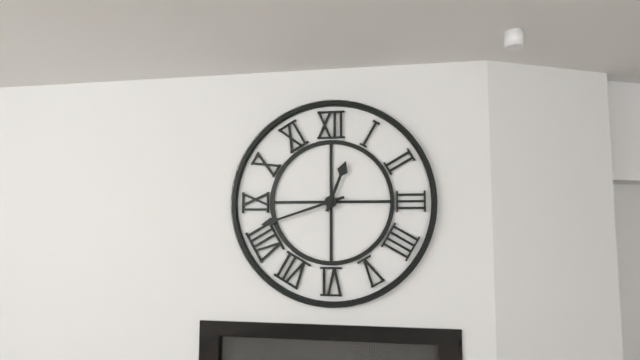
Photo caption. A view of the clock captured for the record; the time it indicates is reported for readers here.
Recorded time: 12:42
